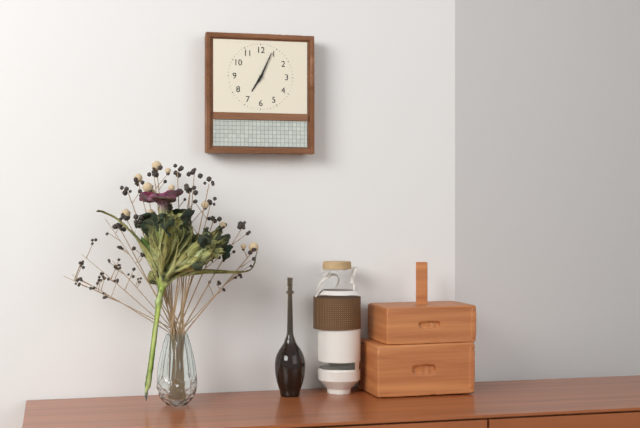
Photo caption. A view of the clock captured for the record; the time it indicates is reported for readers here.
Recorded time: 7:04
